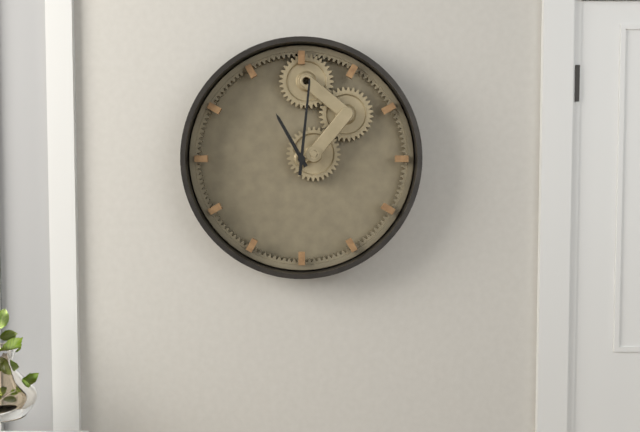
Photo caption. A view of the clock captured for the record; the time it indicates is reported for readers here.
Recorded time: 11:01
